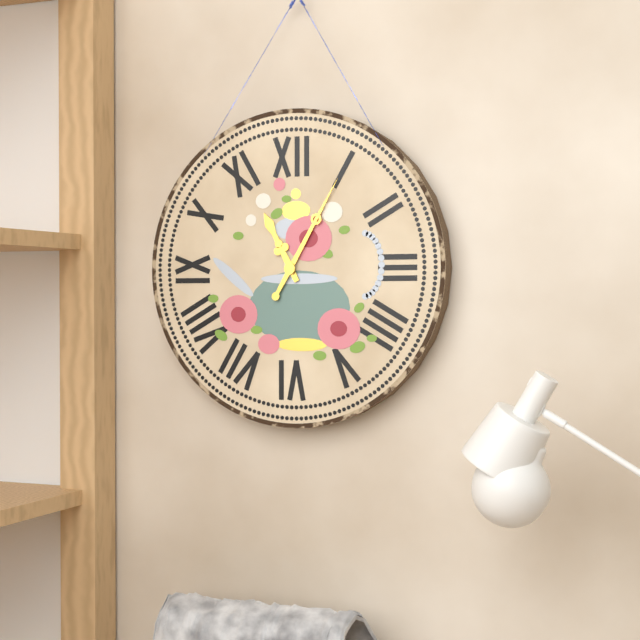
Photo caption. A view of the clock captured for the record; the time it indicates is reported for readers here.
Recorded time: 11:05
